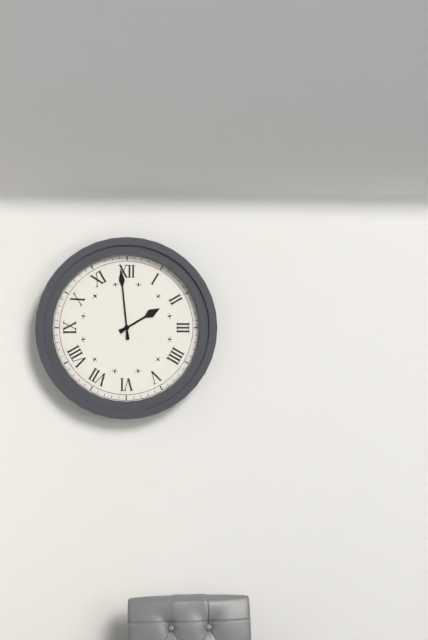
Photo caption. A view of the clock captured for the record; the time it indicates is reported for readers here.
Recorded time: 1:59
